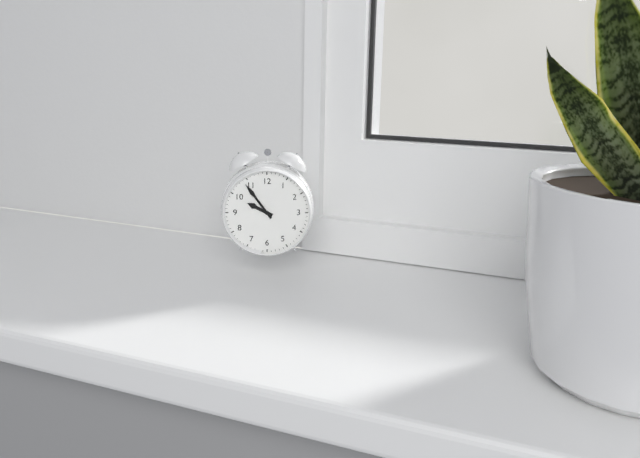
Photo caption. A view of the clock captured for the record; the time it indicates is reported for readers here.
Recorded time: 9:54
